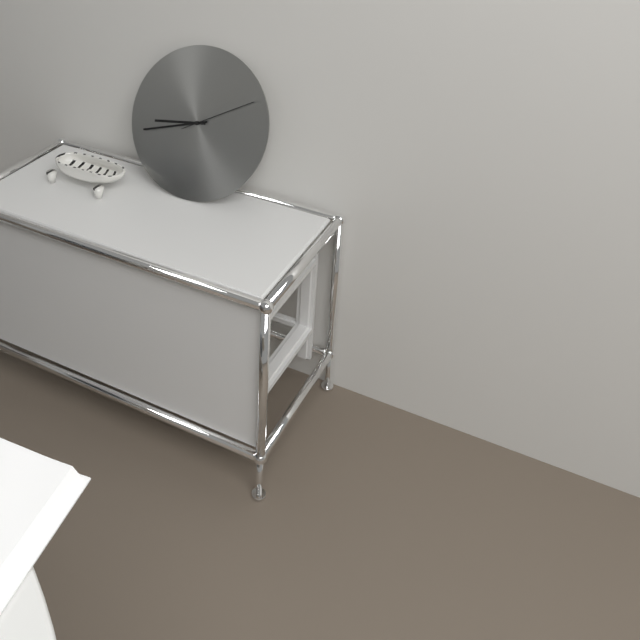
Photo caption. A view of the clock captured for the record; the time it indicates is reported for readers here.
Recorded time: 8:42:10
